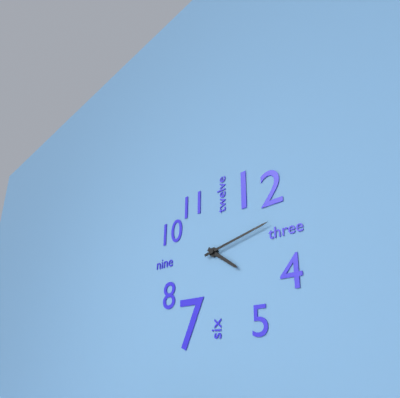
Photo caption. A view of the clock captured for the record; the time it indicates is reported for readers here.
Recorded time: 4:13
